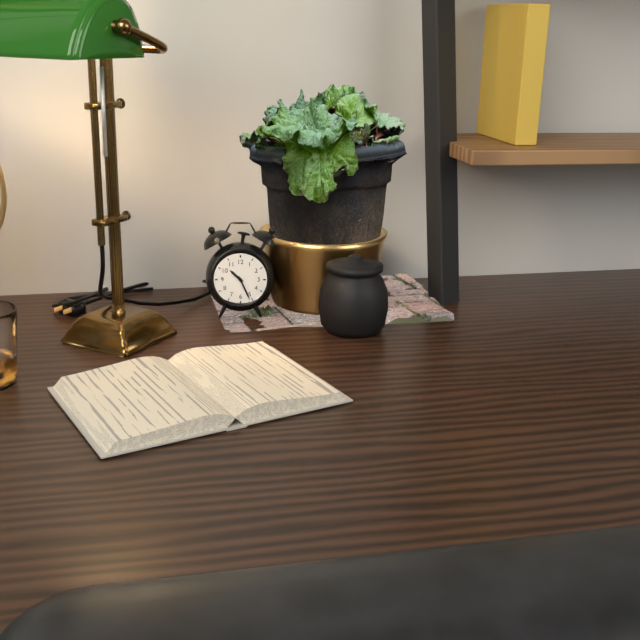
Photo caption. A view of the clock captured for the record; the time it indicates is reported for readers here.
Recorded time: 10:26
